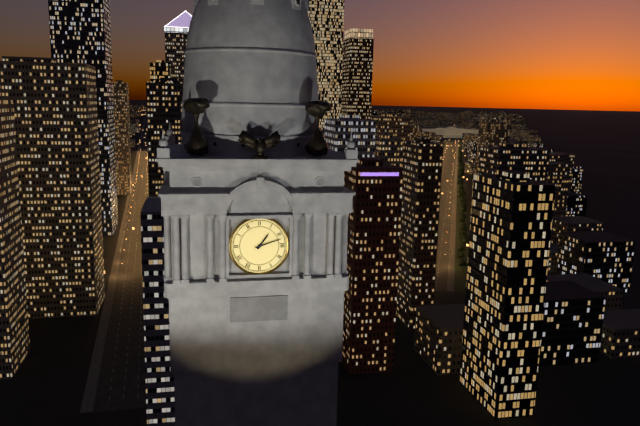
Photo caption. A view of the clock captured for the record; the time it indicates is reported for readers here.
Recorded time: 1:12
